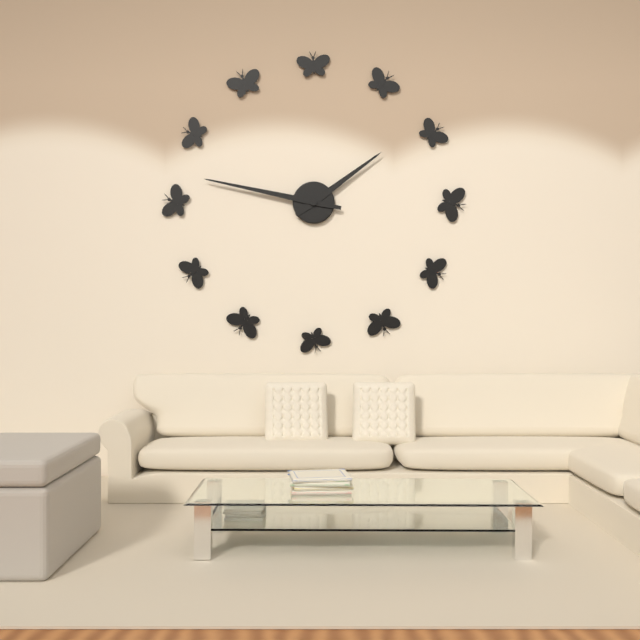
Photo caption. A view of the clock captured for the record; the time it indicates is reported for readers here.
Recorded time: 1:47
